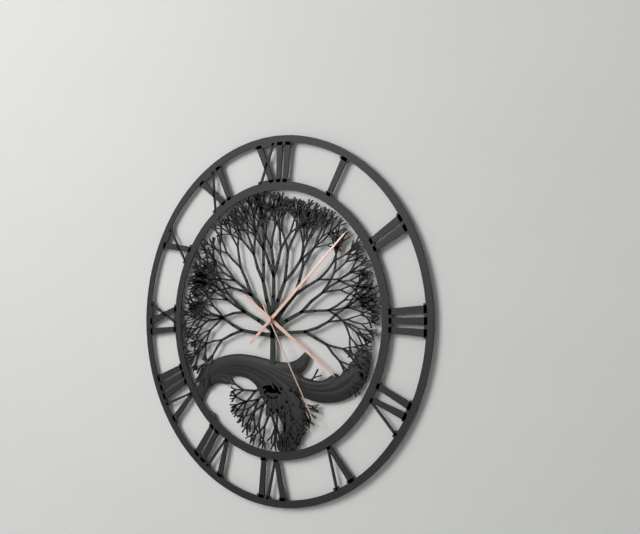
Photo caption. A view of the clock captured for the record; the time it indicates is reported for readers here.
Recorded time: 4:08:25
